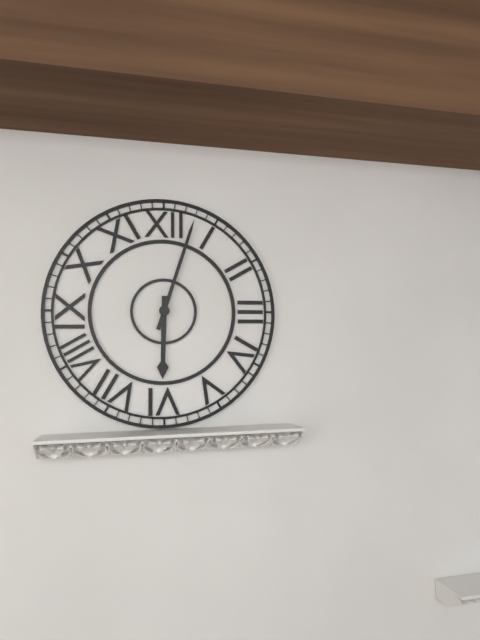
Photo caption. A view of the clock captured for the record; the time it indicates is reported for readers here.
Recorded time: 6:03
